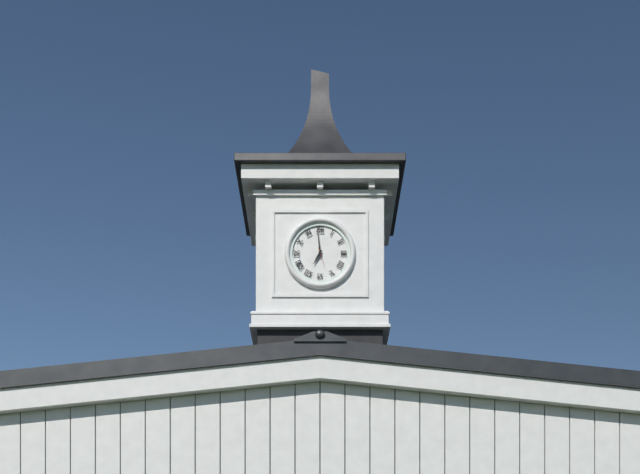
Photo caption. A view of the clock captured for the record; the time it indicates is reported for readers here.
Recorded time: 6:59
